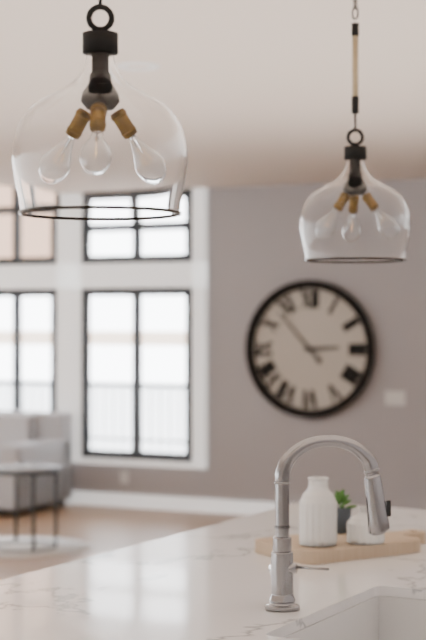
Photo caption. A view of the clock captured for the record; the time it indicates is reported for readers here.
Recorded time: 2:53
